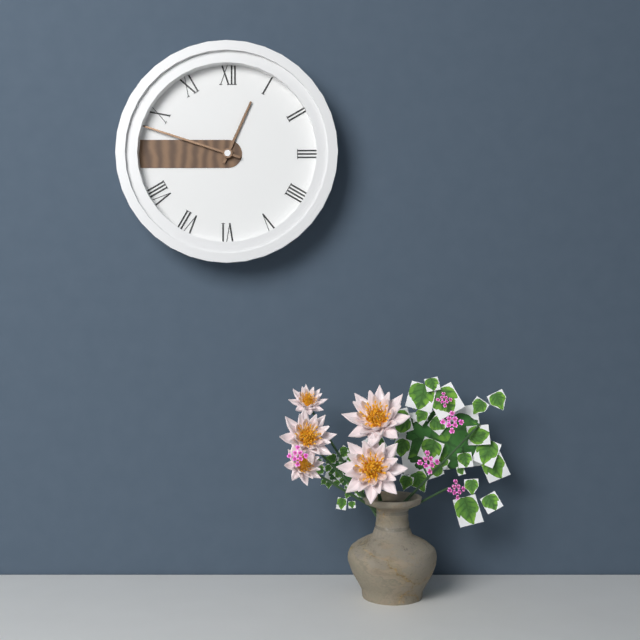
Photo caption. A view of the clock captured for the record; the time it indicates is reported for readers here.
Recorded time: 12:48
